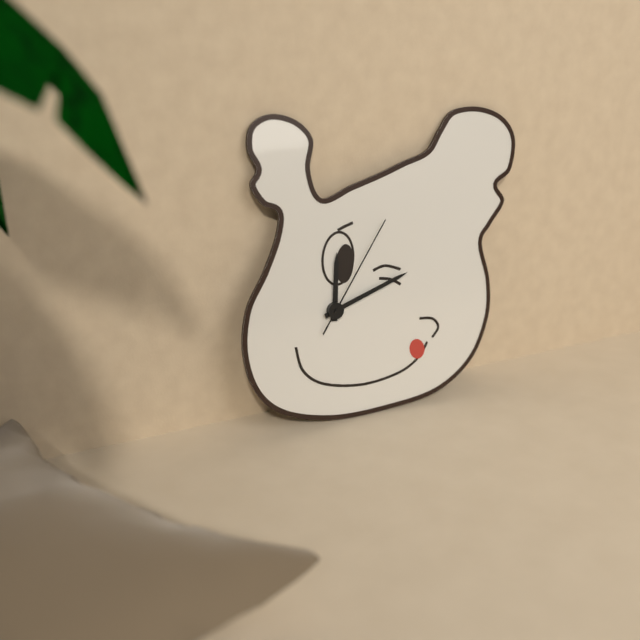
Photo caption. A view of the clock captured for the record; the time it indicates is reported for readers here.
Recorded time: 12:12:06
